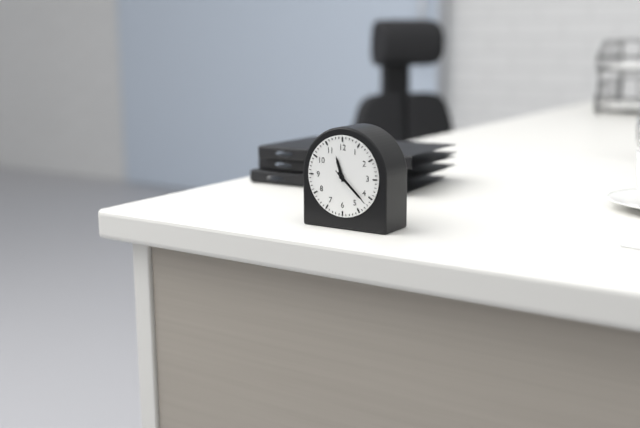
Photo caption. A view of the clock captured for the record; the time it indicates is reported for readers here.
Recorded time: 11:22
